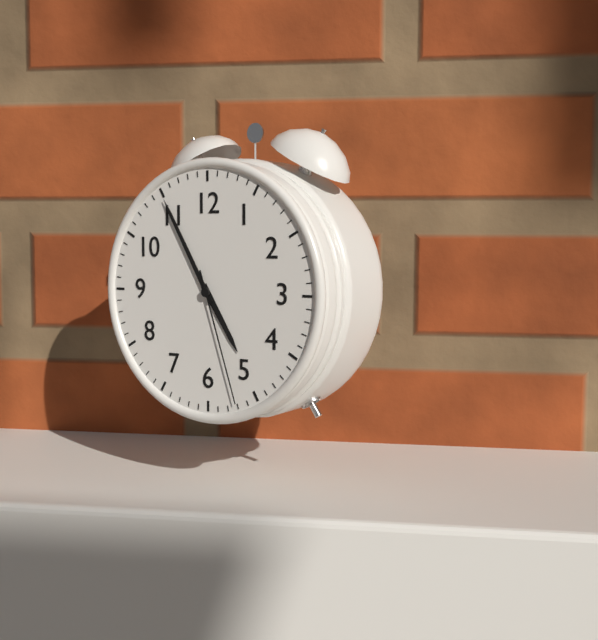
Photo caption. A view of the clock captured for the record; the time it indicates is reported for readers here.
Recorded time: 4:55:27
